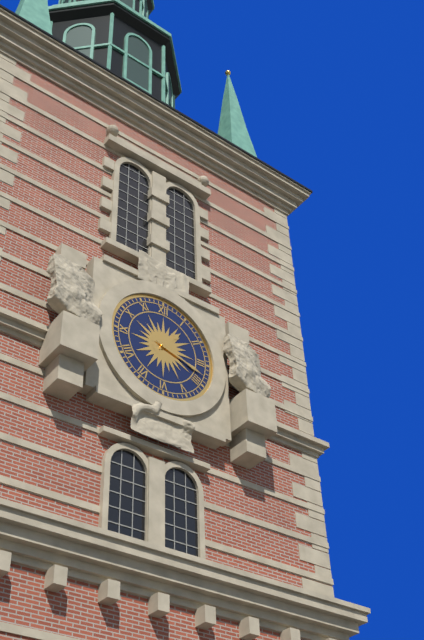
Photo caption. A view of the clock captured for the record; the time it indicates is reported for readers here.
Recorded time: 1:18
